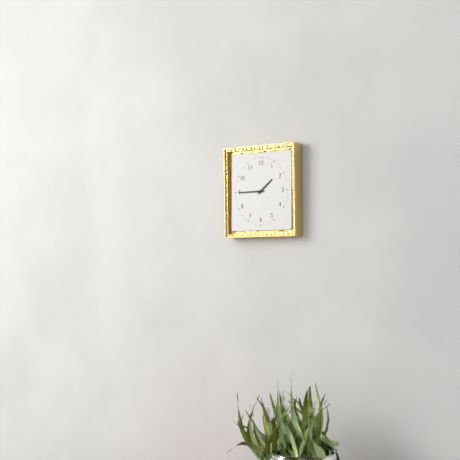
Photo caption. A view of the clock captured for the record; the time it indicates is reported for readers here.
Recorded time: 1:45
